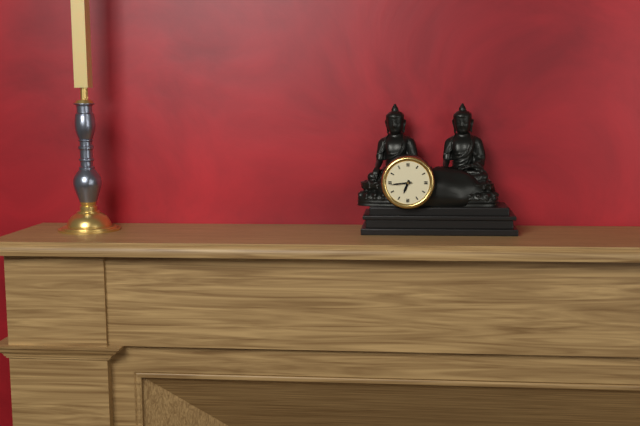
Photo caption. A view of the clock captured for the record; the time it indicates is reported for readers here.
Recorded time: 6:44
